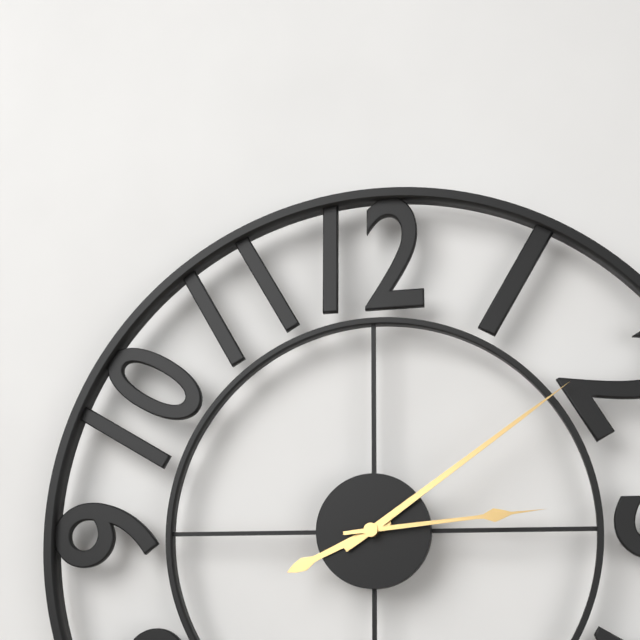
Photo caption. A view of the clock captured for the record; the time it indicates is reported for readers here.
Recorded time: 8:09:14
